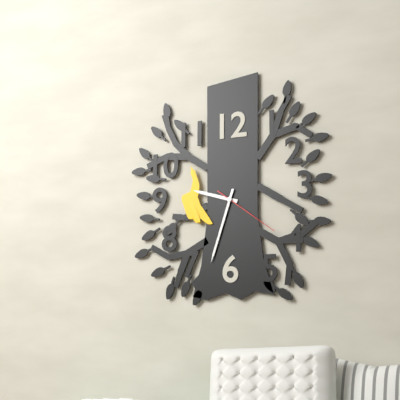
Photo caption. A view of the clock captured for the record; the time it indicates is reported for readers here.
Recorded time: 9:33:21
